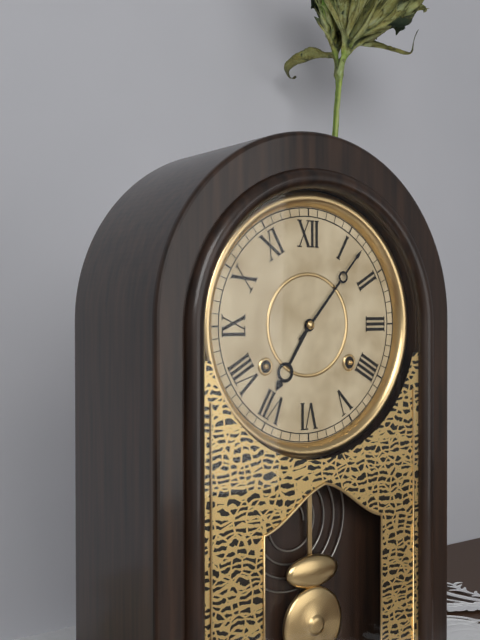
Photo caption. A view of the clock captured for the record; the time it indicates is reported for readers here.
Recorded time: 7:07
